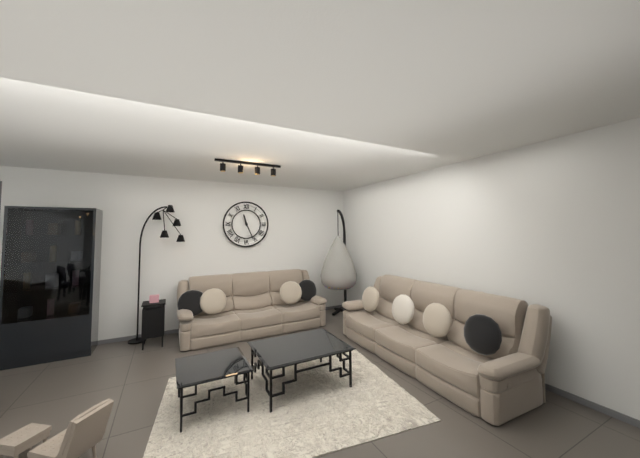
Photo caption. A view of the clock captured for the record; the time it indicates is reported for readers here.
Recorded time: 11:26
